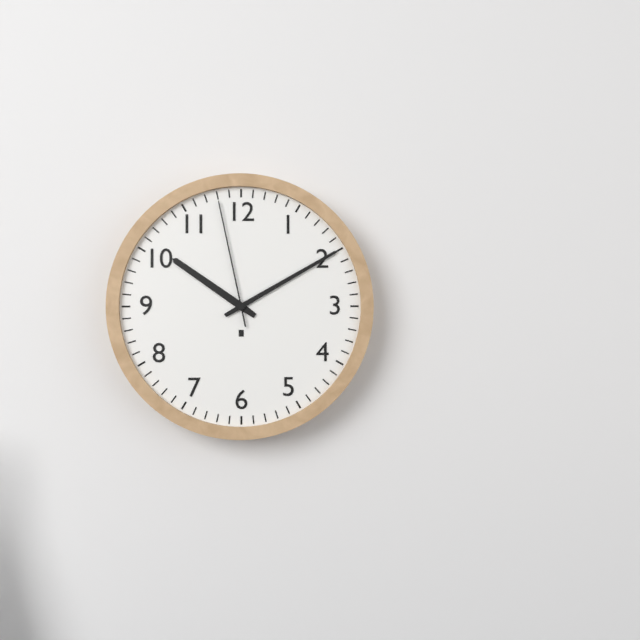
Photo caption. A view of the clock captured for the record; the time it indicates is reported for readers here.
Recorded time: 10:10:58
